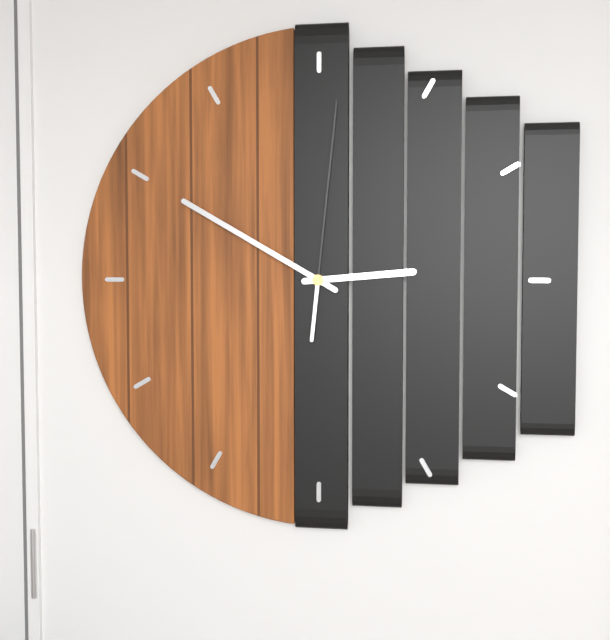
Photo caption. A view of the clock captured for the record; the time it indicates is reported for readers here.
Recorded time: 2:50:01
